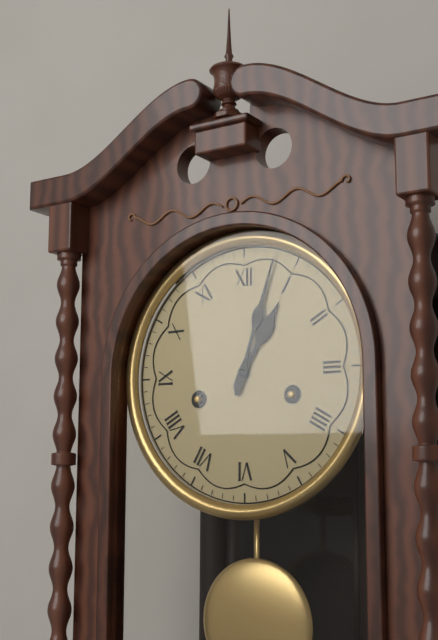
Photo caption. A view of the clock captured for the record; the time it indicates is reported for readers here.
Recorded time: 1:03
